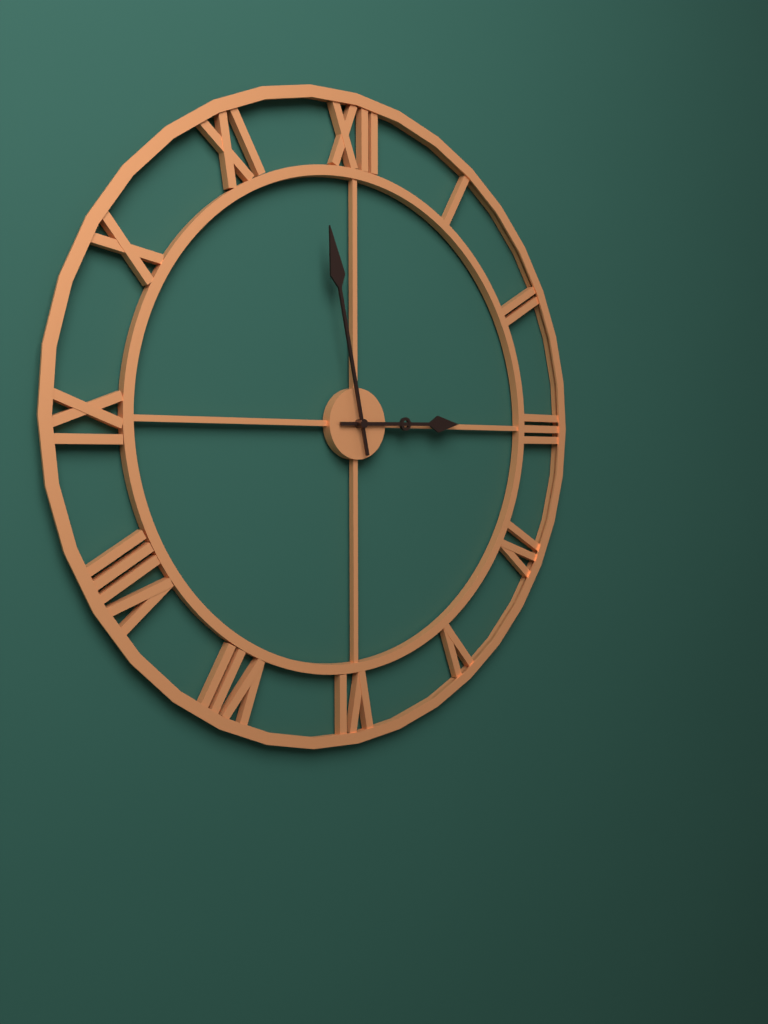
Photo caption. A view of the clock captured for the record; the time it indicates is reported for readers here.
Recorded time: 2:58
